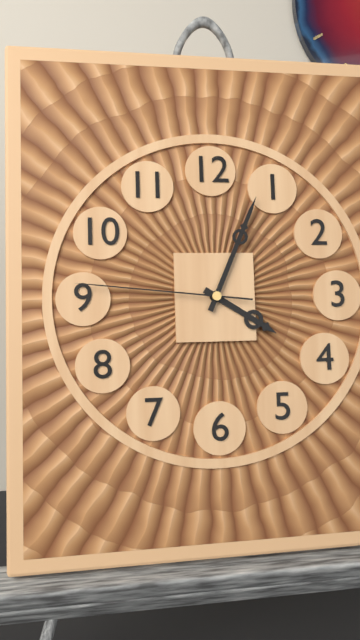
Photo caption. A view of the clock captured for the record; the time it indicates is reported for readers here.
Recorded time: 4:04:46
